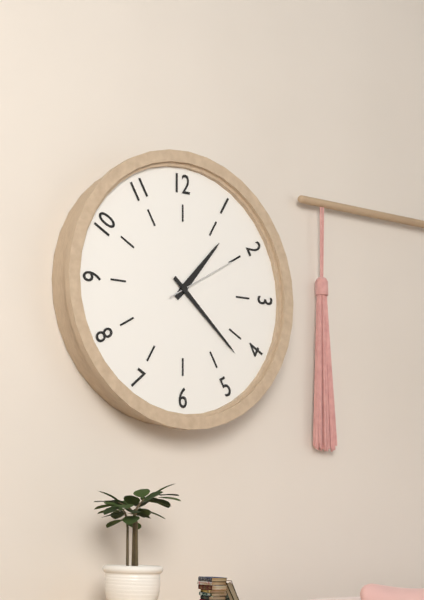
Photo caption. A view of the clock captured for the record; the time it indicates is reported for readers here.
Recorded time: 1:22:10
